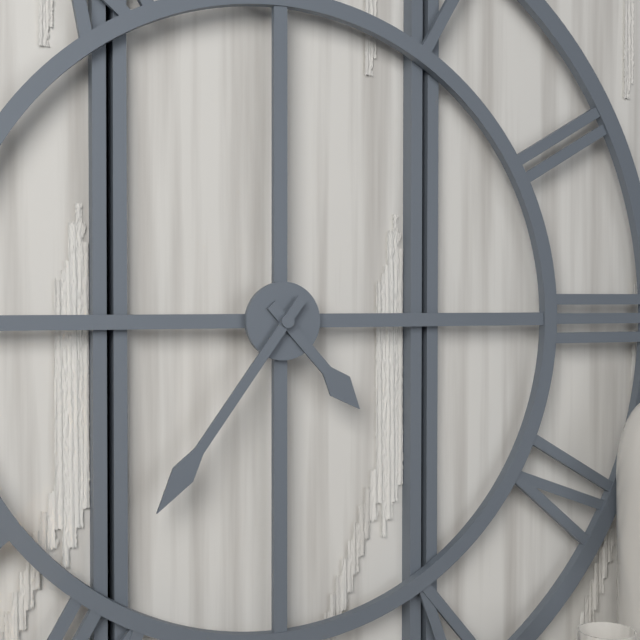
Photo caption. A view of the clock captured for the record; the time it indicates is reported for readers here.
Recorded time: 4:36
